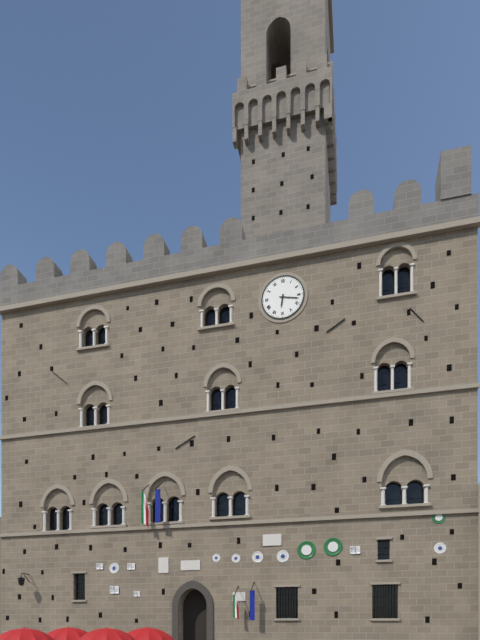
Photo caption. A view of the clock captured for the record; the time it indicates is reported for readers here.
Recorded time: 6:17
